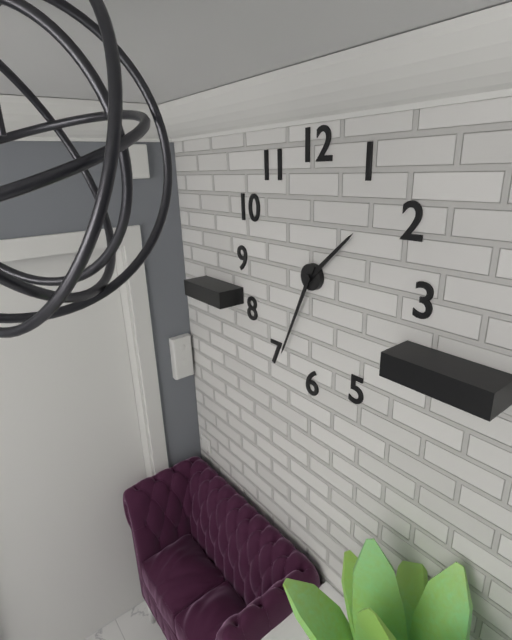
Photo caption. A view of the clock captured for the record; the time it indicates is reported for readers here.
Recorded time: 1:34
